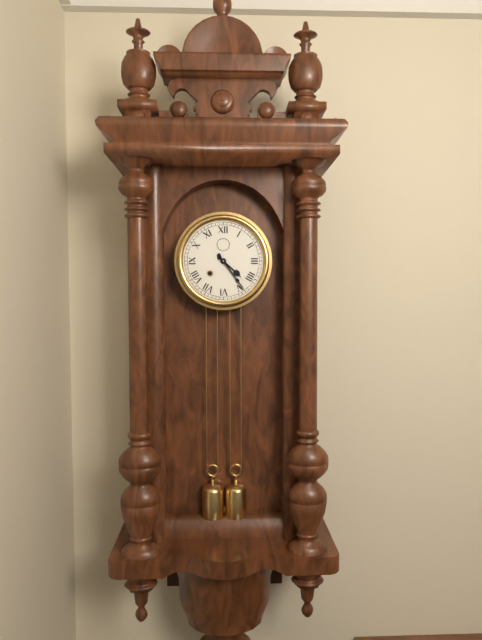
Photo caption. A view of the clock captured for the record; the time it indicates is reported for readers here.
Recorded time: 4:24
